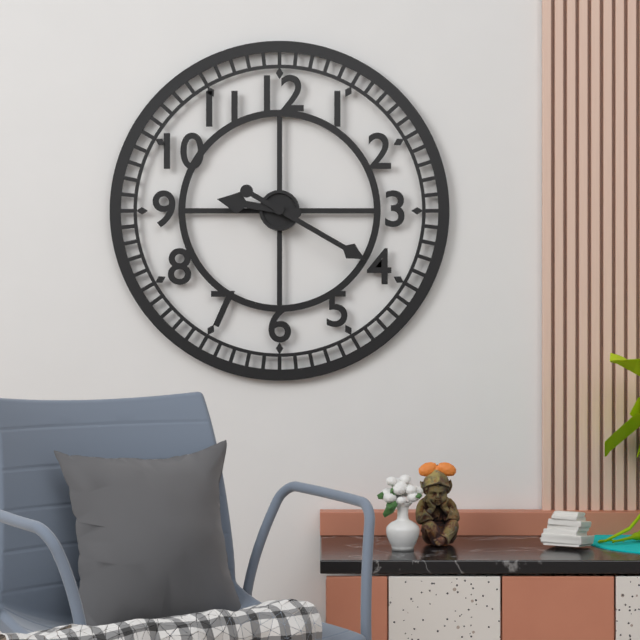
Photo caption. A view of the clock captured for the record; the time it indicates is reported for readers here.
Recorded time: 9:20
